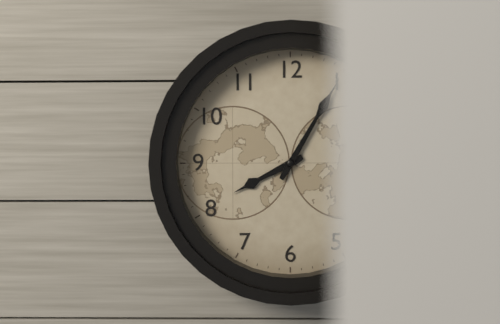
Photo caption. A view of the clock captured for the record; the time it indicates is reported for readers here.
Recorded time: 8:05
